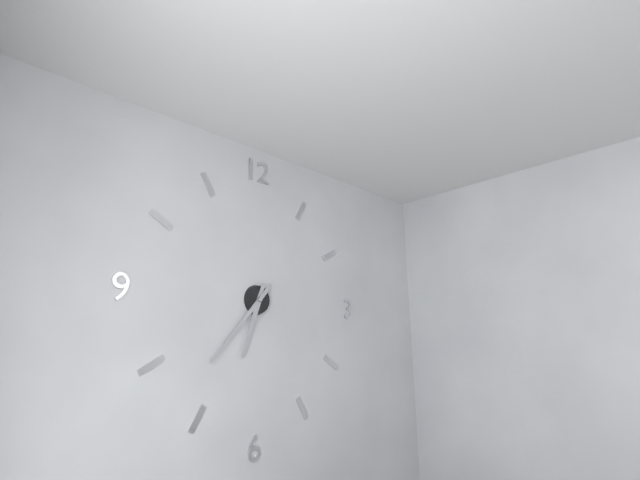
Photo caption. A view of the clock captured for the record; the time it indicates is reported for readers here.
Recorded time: 6:37
